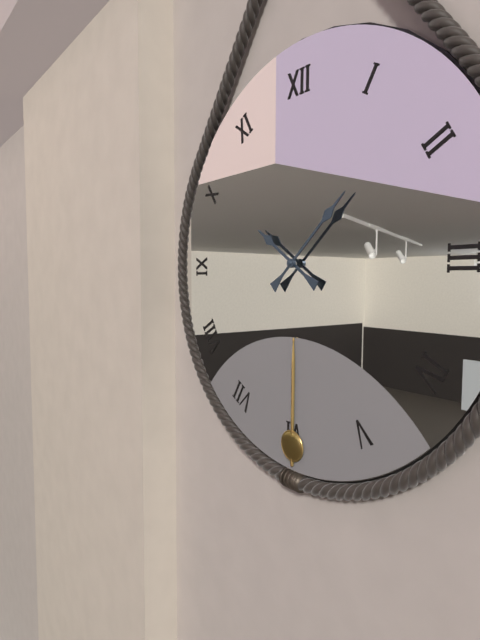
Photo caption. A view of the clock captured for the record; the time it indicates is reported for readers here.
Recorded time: 10:08
